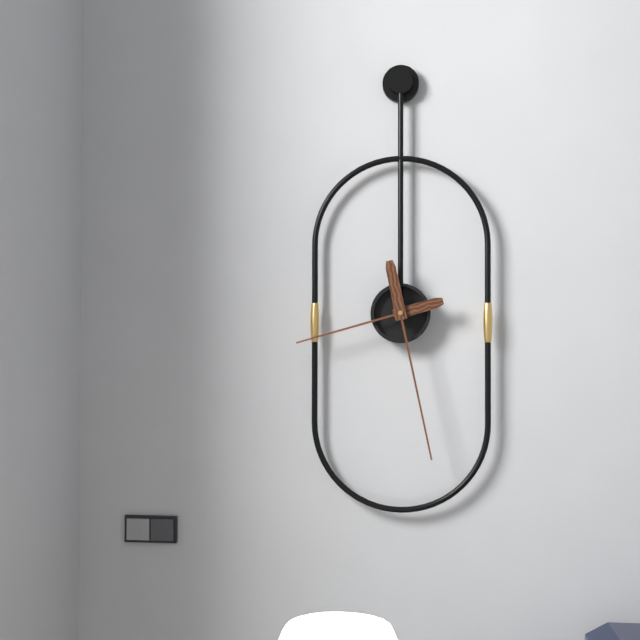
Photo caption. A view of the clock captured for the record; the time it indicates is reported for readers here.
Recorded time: 8:28
